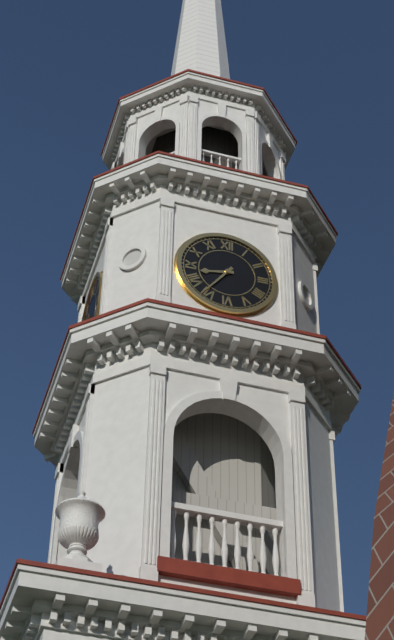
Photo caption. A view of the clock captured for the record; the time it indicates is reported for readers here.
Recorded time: 8:36
